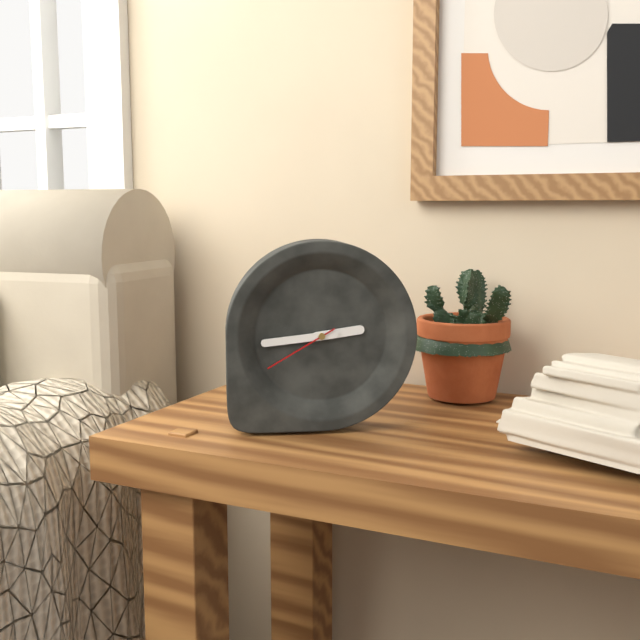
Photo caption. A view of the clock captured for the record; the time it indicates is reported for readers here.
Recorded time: 2:44:40
